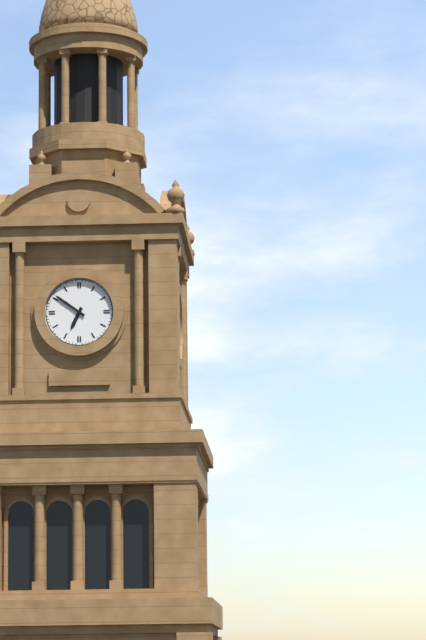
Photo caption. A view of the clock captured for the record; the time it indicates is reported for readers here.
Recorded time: 6:51
